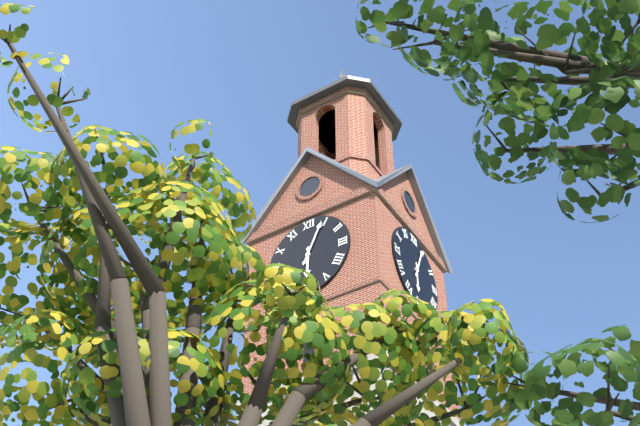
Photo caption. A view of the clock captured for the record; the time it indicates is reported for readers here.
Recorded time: 6:04
